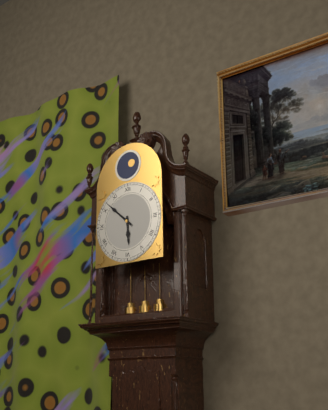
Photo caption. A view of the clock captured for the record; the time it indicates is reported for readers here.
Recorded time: 5:52
